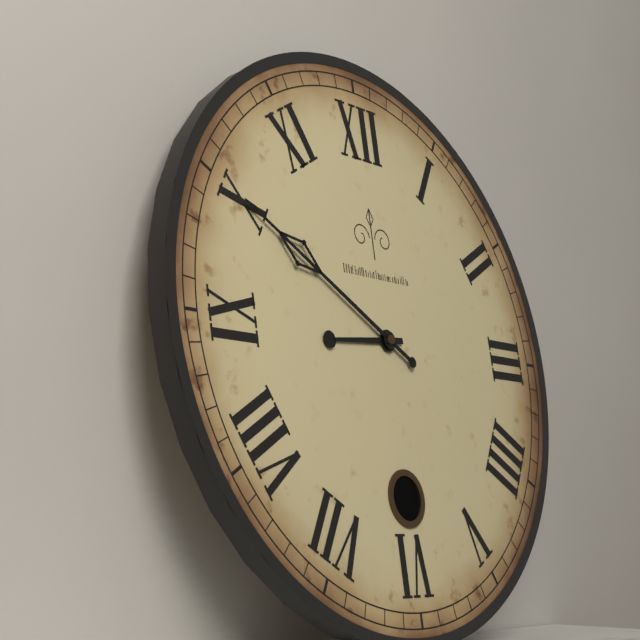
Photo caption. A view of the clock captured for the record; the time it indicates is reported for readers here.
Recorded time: 8:50
